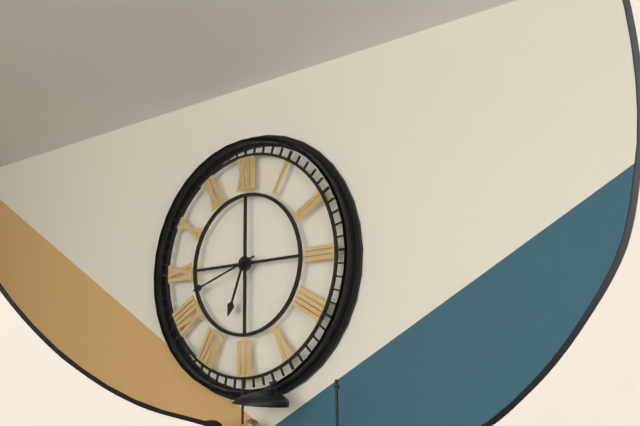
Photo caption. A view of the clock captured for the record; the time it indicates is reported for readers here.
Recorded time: 6:42
